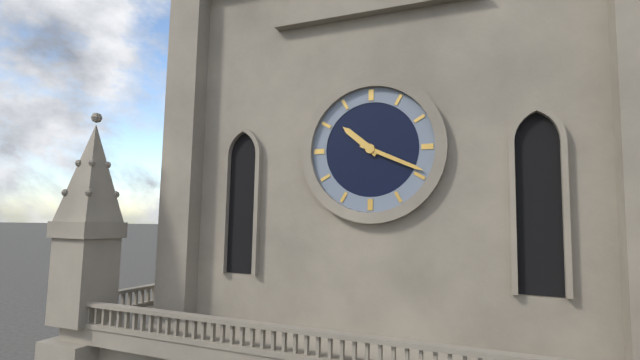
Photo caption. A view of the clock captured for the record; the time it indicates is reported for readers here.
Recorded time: 10:19
